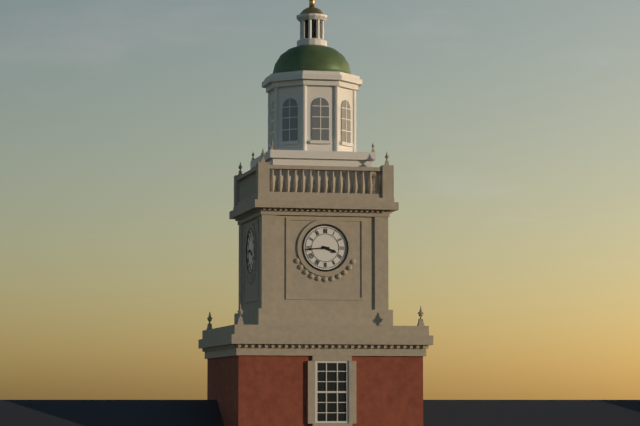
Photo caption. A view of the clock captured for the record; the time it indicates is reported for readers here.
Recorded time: 3:44
